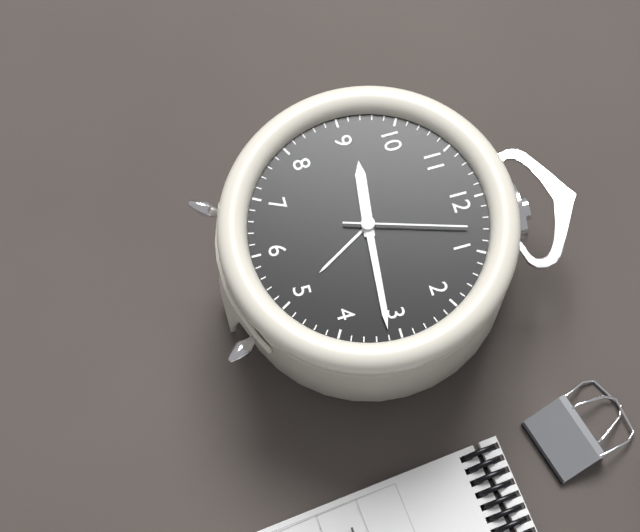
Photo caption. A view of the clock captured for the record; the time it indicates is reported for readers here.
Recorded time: 9:16:03
